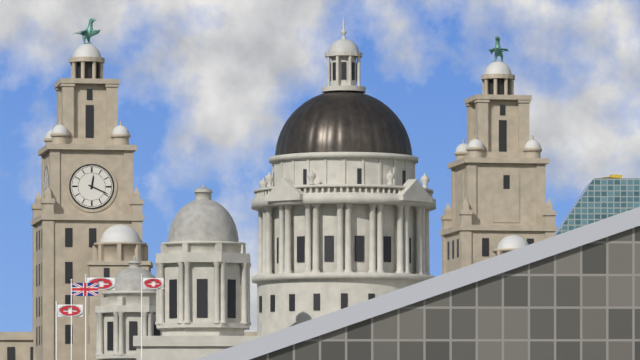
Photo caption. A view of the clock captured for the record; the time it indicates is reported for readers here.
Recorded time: 12:19
